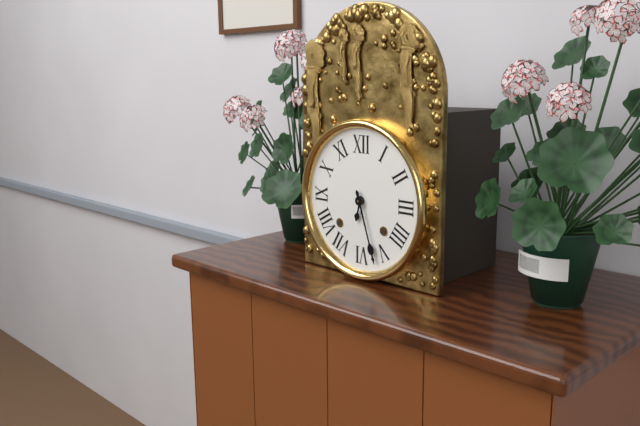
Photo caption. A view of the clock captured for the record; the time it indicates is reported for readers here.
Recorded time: 6:27
